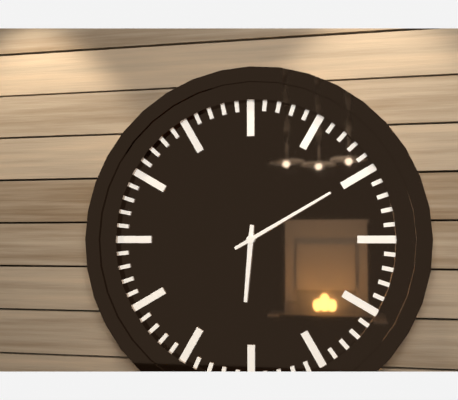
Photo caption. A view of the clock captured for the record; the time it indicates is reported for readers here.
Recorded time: 6:10
